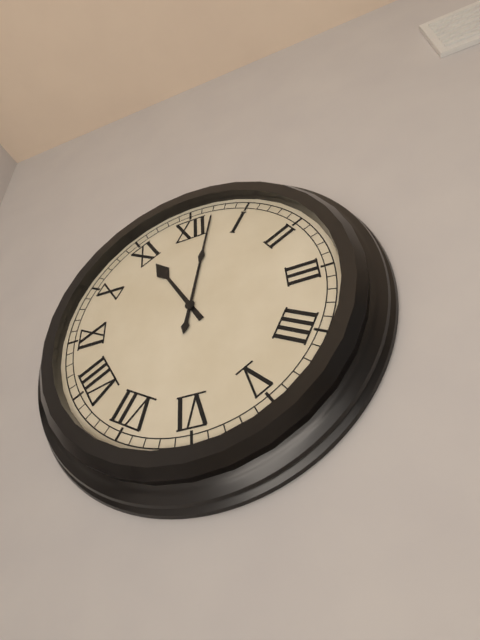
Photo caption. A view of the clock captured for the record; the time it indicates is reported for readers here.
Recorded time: 11:02
